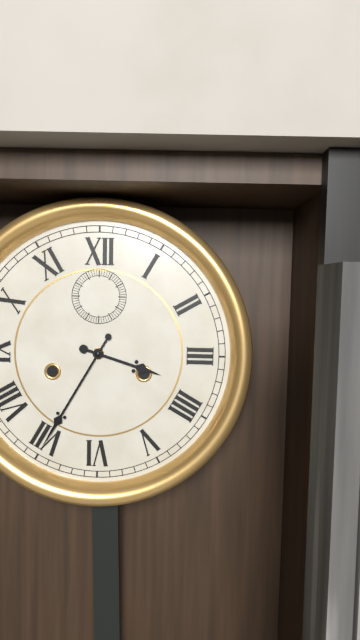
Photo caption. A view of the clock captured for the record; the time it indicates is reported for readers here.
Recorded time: 3:35
